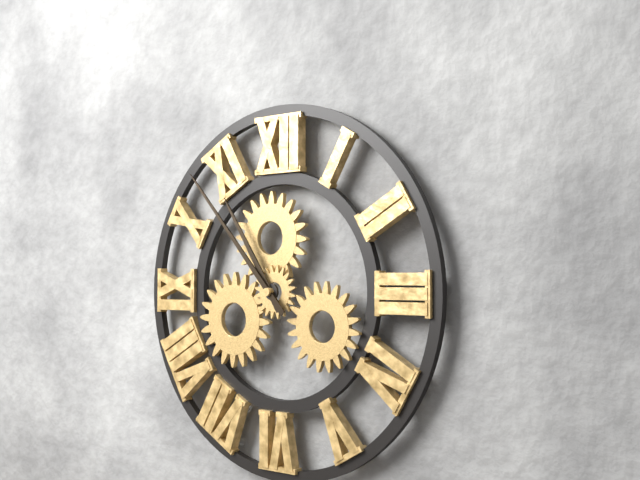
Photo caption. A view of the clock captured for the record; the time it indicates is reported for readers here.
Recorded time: 10:53
